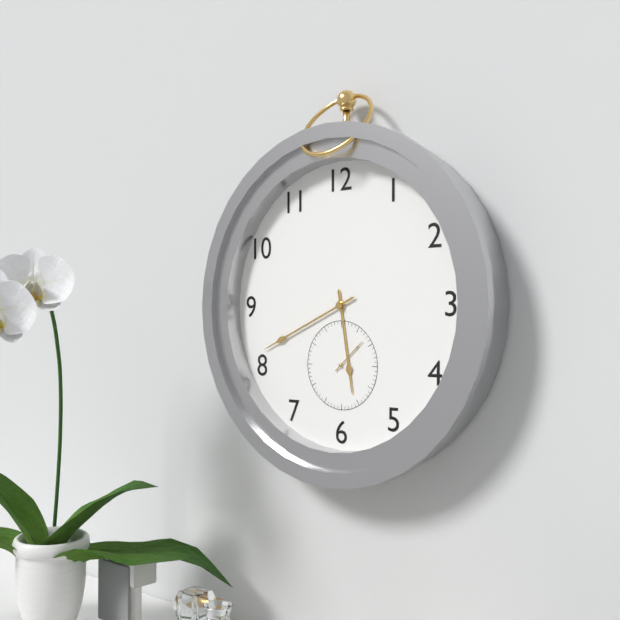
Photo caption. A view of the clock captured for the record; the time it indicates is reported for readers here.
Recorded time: 5:41
